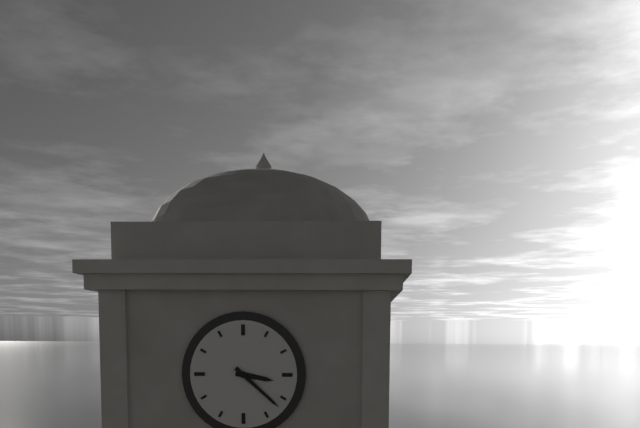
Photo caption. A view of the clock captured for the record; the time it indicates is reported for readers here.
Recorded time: 3:22
